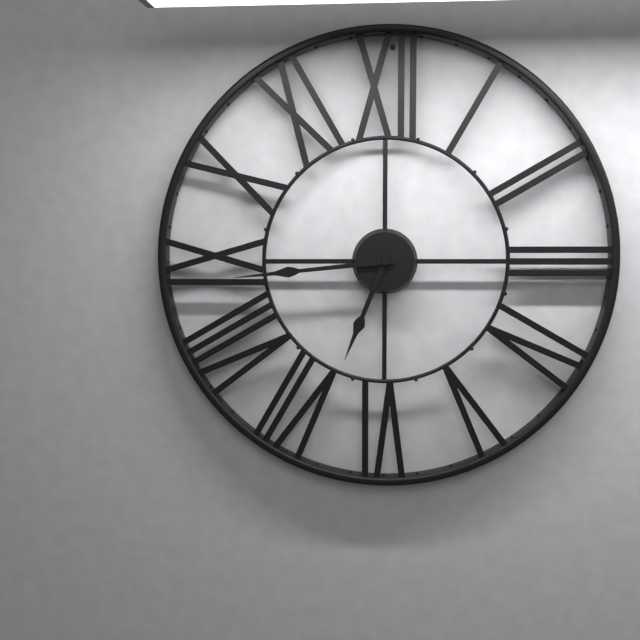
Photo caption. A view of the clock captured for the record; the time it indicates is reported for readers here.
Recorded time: 6:44
